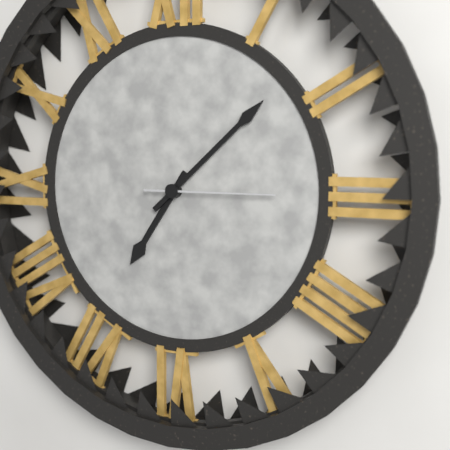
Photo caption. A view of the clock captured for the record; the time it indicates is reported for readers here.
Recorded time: 7:08:15
